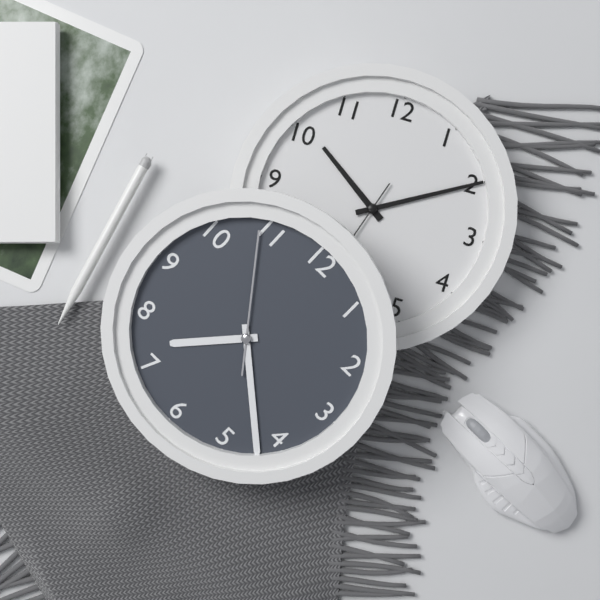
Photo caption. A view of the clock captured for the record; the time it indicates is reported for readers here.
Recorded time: 7:22:54
